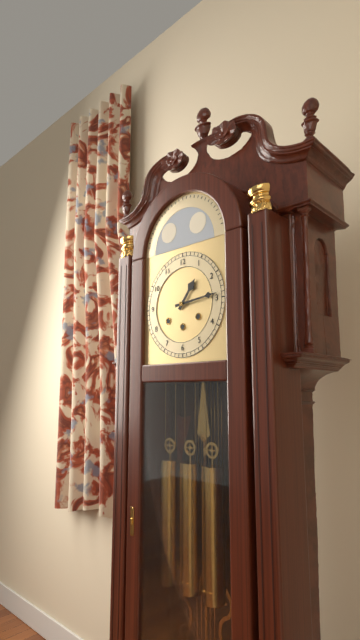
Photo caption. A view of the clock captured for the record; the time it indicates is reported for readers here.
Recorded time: 1:14
